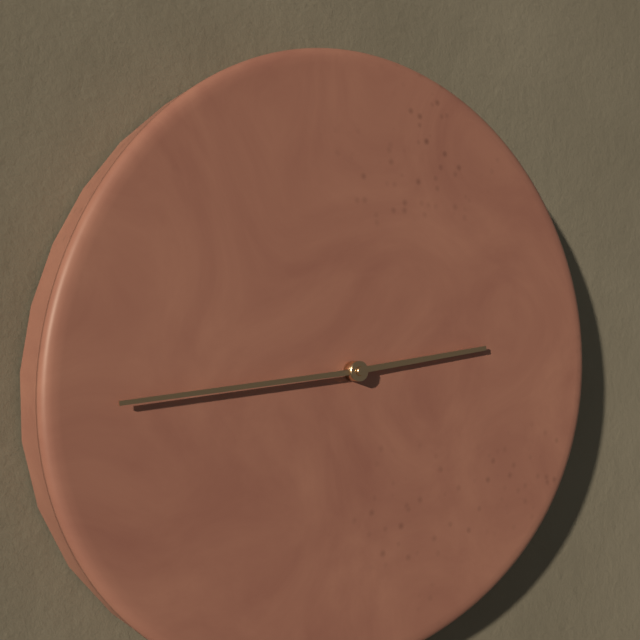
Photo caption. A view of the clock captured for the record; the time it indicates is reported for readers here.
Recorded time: 2:44
